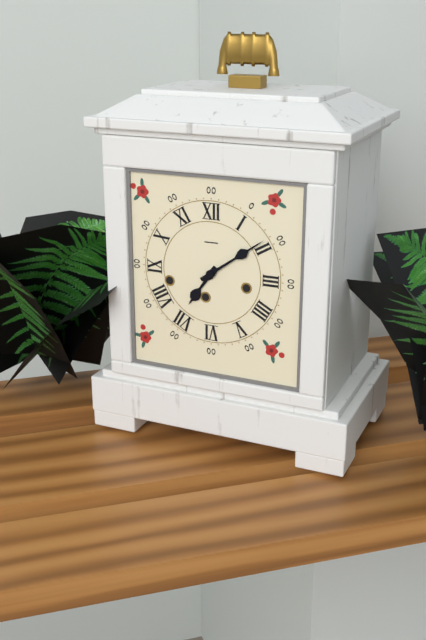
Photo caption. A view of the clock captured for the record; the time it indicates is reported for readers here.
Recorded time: 7:09
